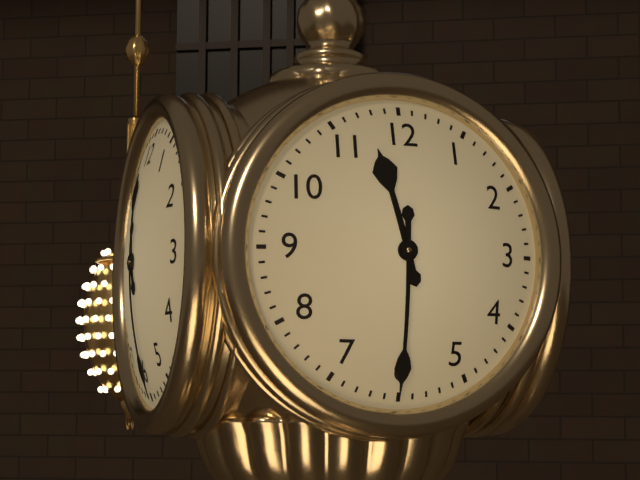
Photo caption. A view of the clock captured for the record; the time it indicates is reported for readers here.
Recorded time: 11:30
